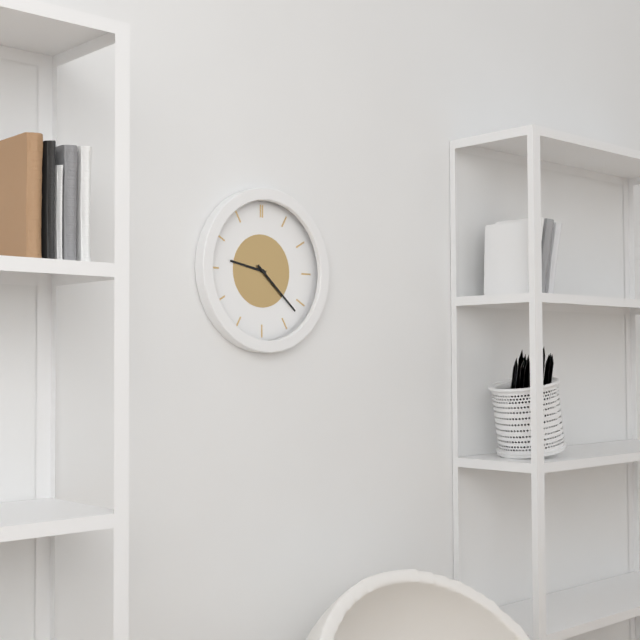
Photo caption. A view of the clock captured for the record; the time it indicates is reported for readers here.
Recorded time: 9:22
